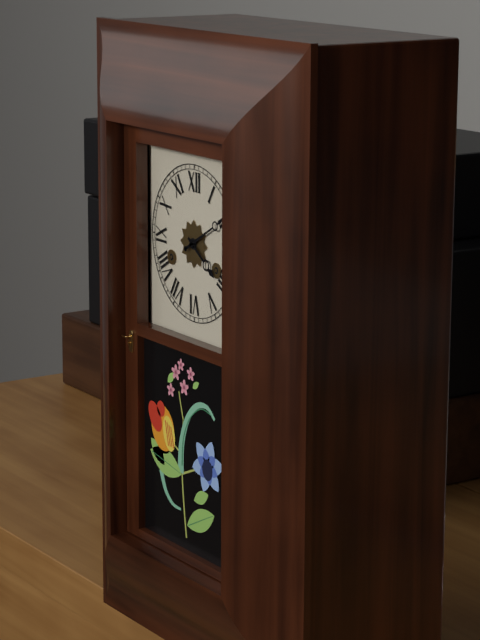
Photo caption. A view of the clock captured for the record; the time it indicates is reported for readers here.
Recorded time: 4:10
